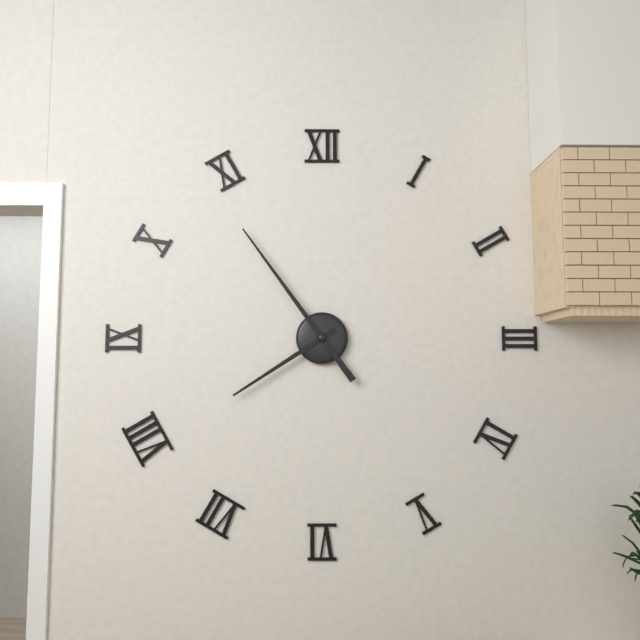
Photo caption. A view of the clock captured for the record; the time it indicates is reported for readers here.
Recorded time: 7:54
